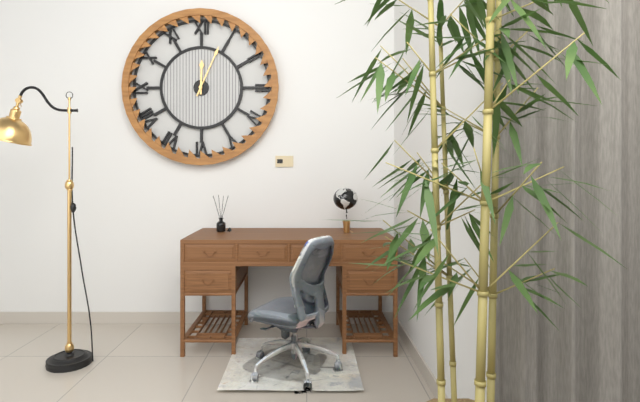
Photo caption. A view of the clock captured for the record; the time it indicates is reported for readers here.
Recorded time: 12:04
